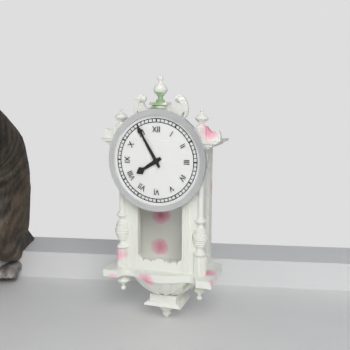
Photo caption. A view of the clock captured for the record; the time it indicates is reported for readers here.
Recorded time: 7:55
